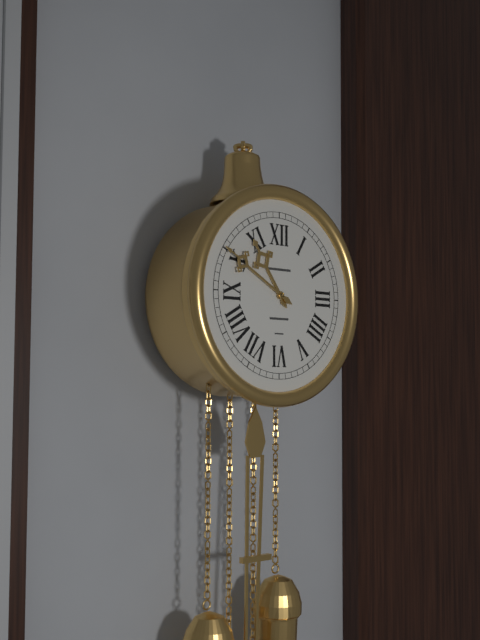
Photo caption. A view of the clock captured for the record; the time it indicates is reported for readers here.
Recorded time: 10:50
